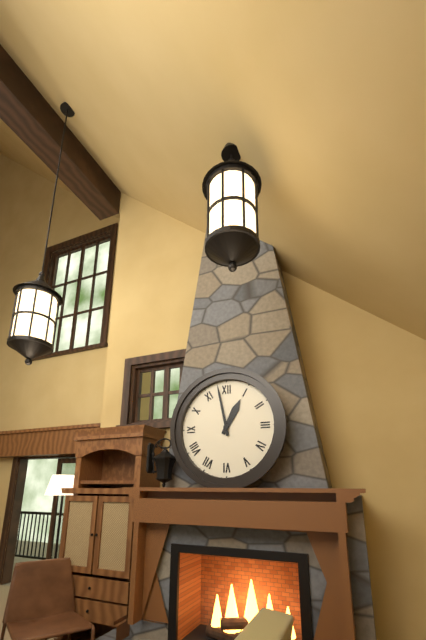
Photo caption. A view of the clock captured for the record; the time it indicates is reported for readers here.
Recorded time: 12:58
